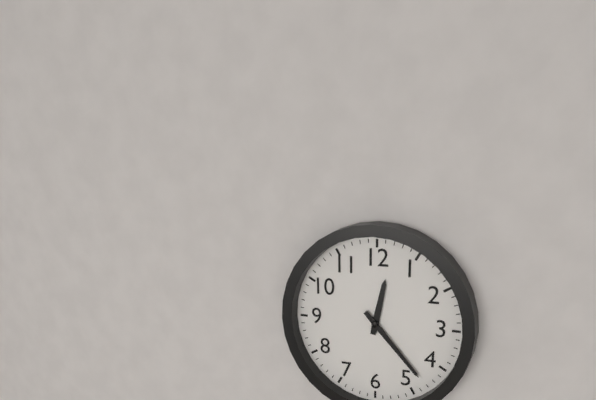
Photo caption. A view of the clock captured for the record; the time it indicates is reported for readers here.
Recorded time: 12:23
